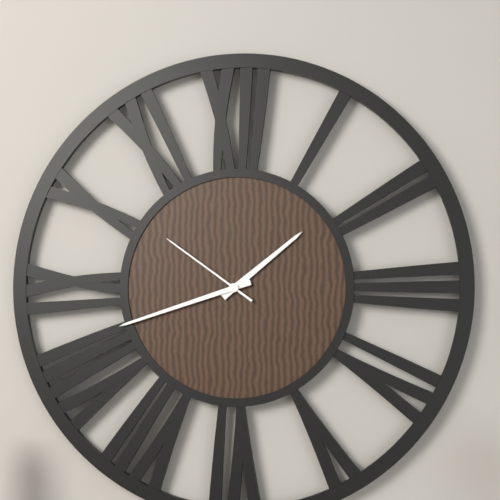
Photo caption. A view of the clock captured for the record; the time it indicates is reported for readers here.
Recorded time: 1:42:51
